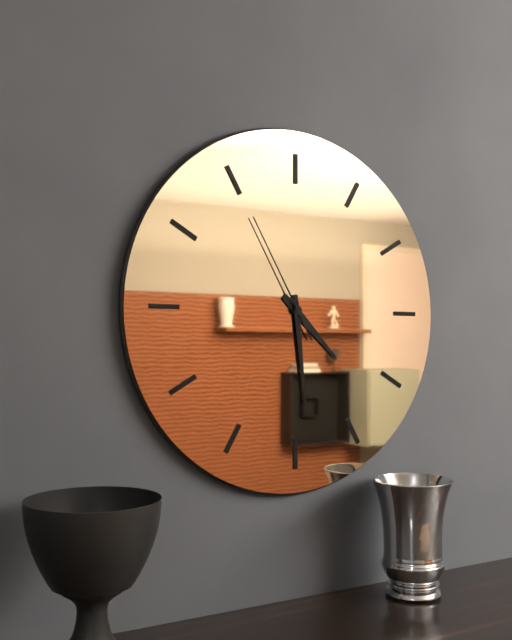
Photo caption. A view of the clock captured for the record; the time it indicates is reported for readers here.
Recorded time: 4:29:55
